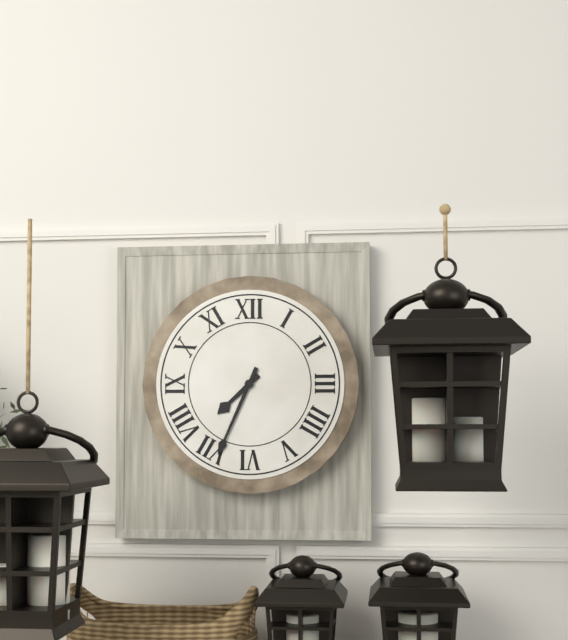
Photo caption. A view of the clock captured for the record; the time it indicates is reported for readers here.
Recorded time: 7:34
